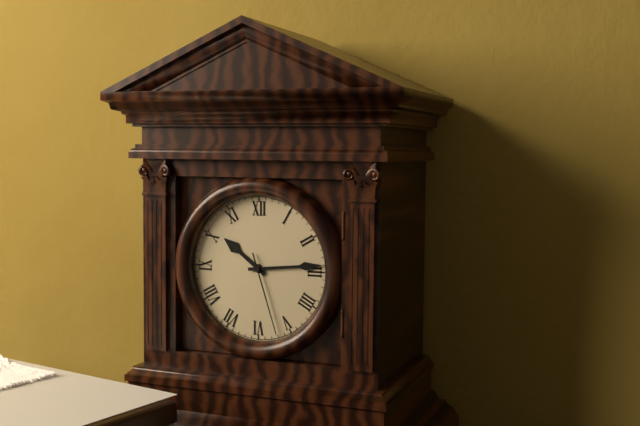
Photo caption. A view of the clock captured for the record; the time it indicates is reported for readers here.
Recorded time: 10:14:27
